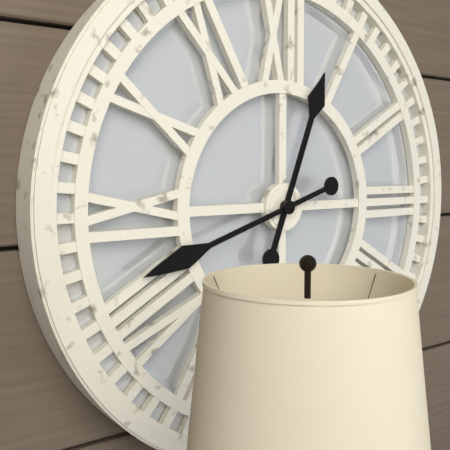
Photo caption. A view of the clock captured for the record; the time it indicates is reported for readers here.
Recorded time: 12:42
